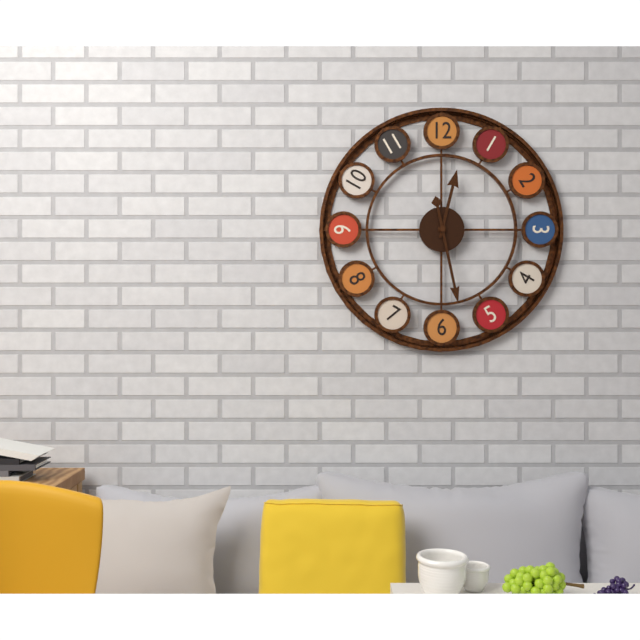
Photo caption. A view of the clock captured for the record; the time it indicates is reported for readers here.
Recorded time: 12:28
